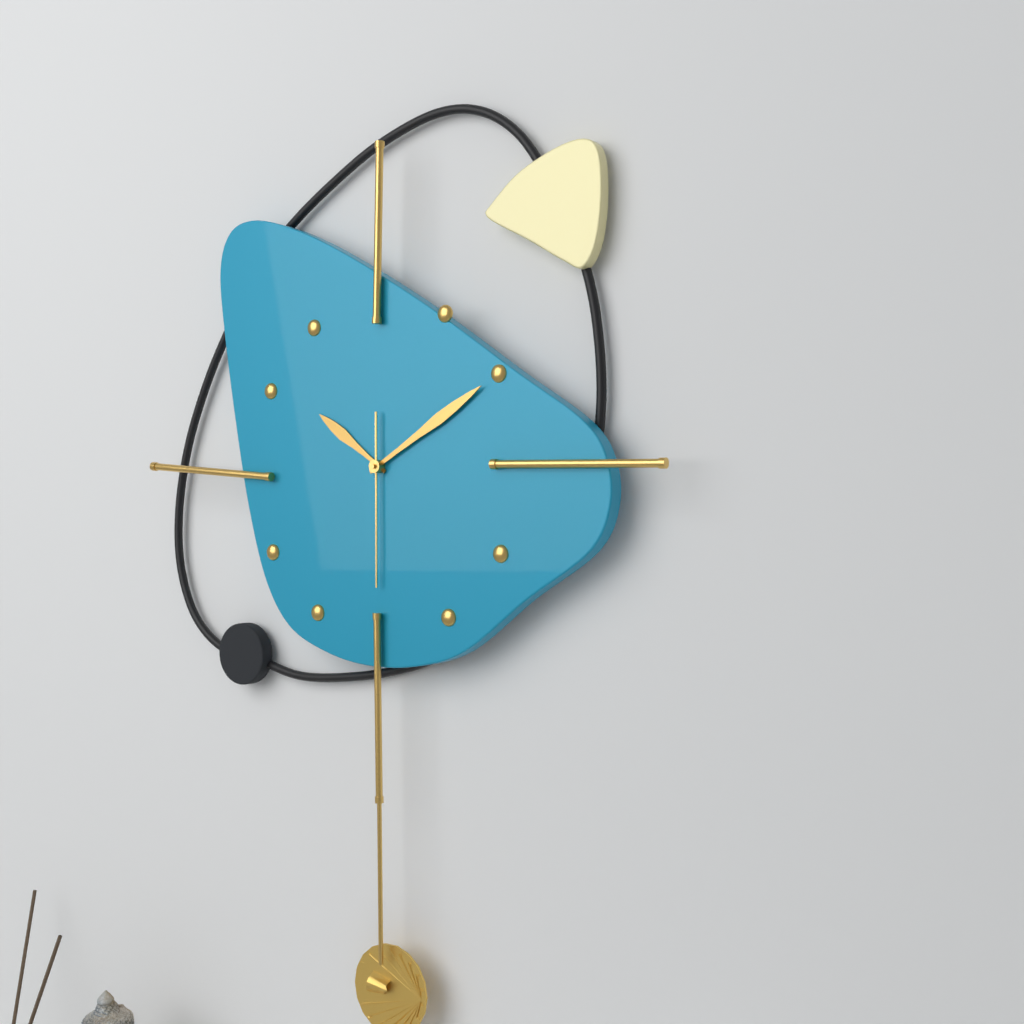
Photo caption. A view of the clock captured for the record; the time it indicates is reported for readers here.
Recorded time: 10:10:30
